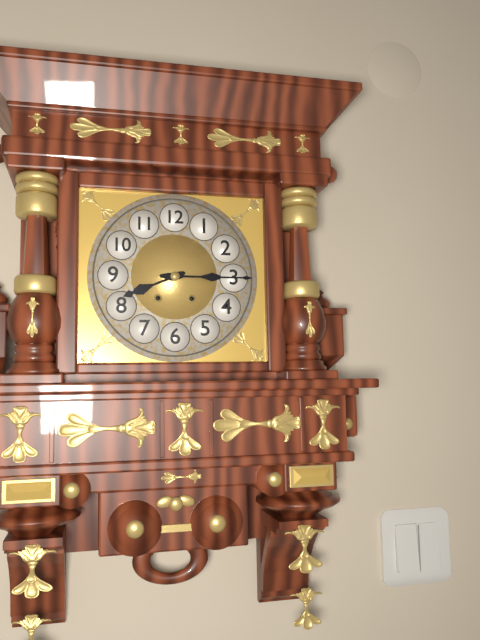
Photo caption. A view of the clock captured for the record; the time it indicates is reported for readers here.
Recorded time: 8:15
